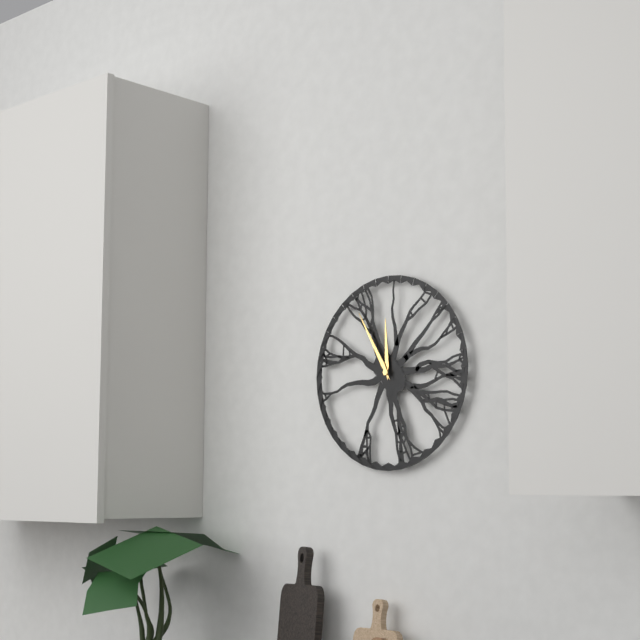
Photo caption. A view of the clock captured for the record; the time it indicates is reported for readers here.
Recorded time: 11:55
